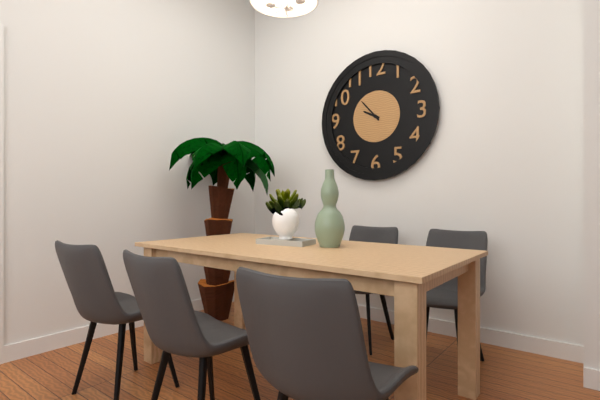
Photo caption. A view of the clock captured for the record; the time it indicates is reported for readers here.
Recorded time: 9:53
